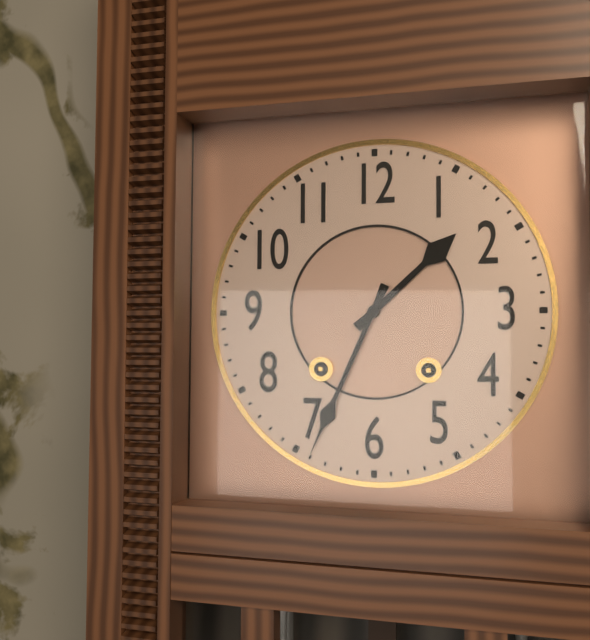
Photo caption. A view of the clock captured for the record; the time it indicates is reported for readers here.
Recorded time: 1:34
